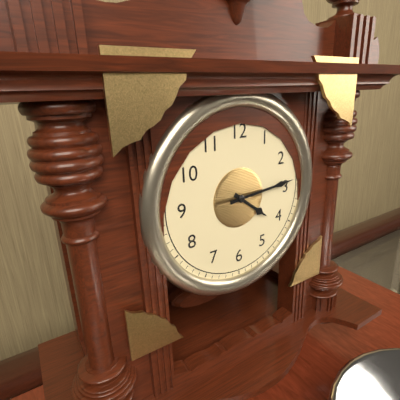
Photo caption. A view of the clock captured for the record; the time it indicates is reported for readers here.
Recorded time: 4:14
